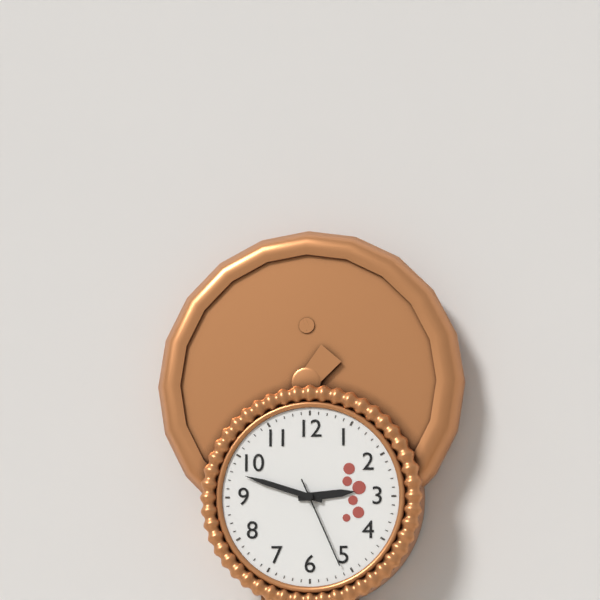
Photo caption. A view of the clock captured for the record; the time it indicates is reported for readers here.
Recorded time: 2:48:26
